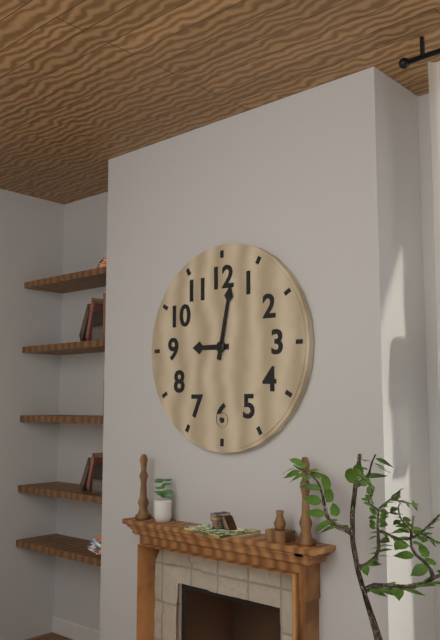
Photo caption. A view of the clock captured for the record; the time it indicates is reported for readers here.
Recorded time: 9:02
